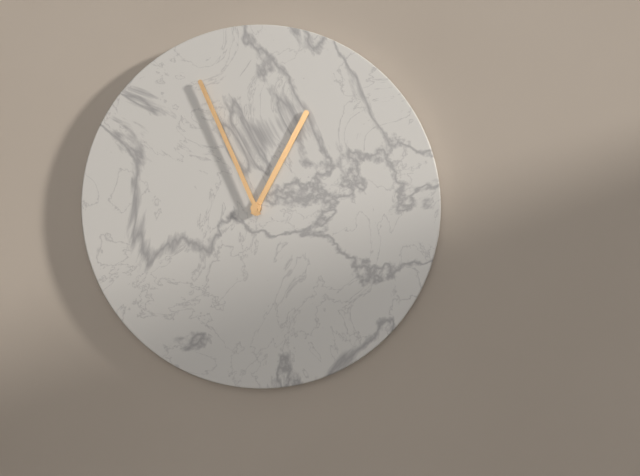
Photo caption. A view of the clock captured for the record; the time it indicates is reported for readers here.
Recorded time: 12:56
